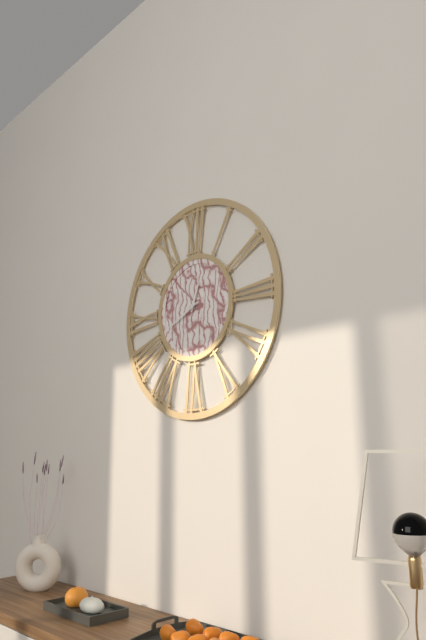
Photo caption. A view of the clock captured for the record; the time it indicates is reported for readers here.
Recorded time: 12:41
